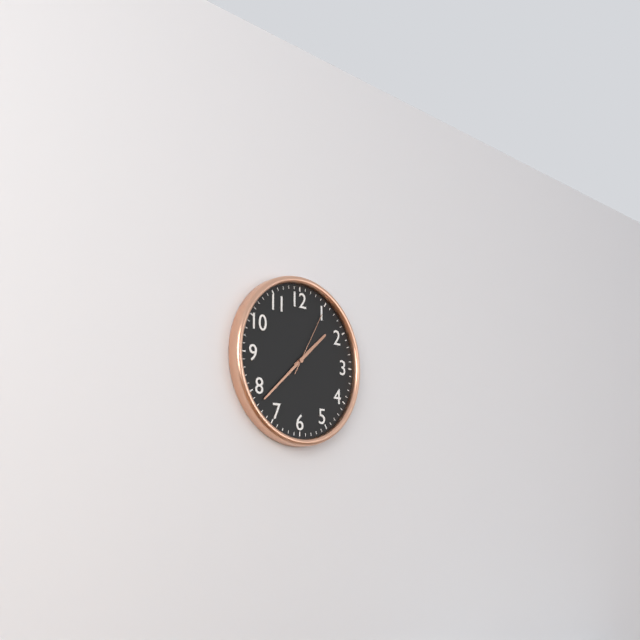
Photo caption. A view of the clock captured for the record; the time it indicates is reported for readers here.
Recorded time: 1:38:05
